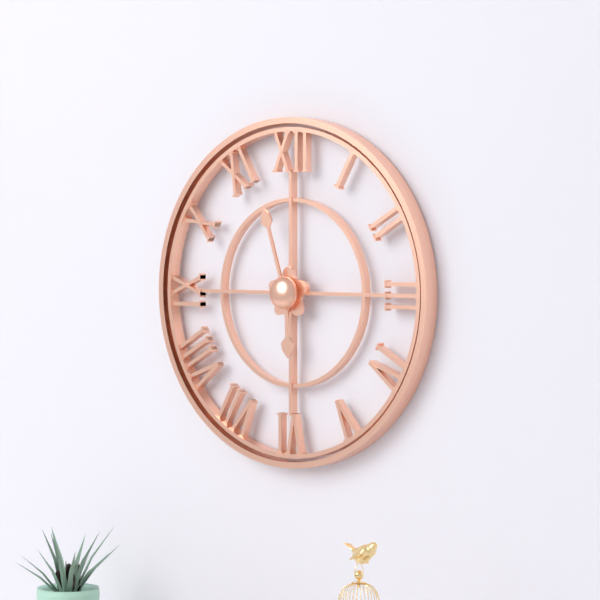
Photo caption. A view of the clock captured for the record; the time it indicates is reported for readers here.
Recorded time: 5:57
